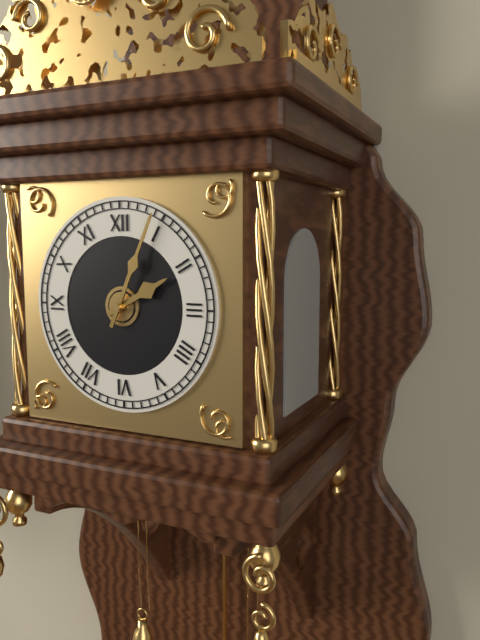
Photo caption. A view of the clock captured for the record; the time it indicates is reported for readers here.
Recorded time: 2:04
